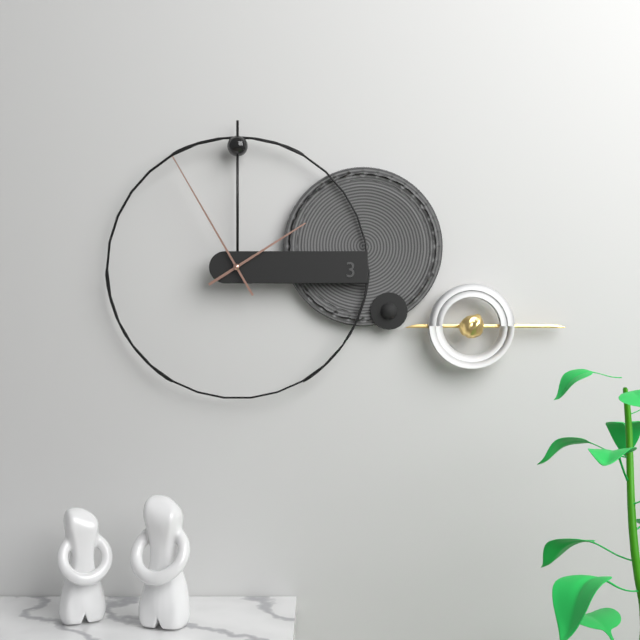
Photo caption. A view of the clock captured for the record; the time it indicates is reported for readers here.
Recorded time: 1:55
